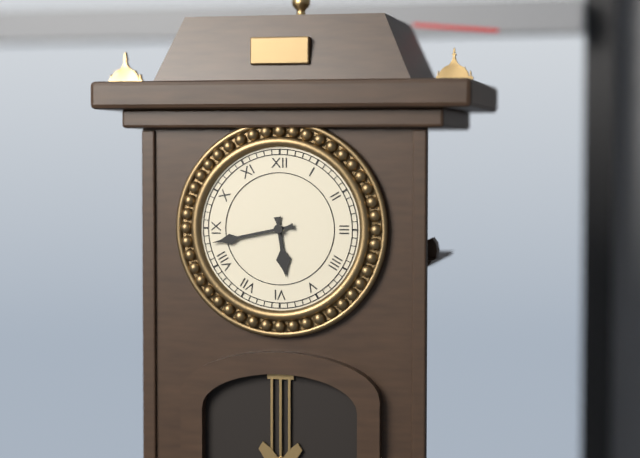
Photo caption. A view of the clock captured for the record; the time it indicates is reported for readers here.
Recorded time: 5:43
